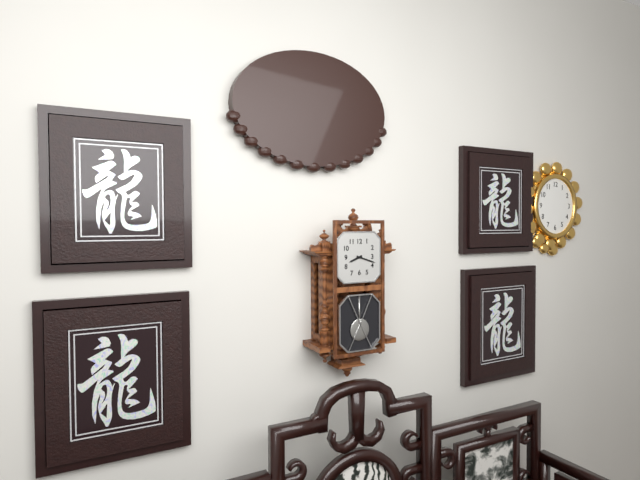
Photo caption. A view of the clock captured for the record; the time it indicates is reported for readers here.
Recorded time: 8:18
